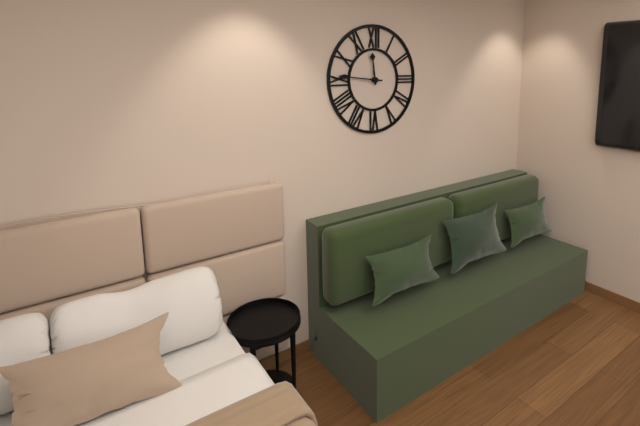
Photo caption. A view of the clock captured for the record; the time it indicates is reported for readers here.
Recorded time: 11:46
